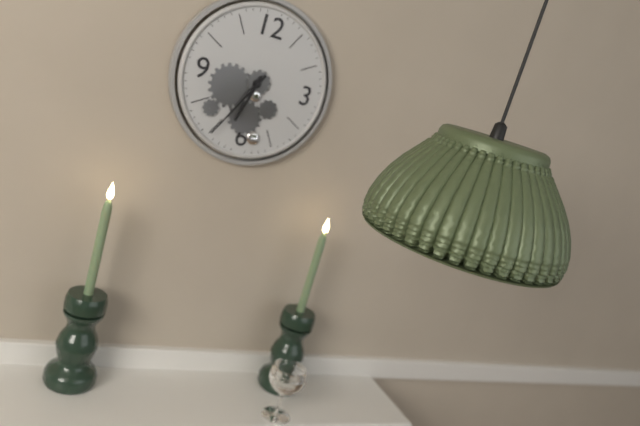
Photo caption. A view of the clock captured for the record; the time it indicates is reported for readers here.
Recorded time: 6:35
